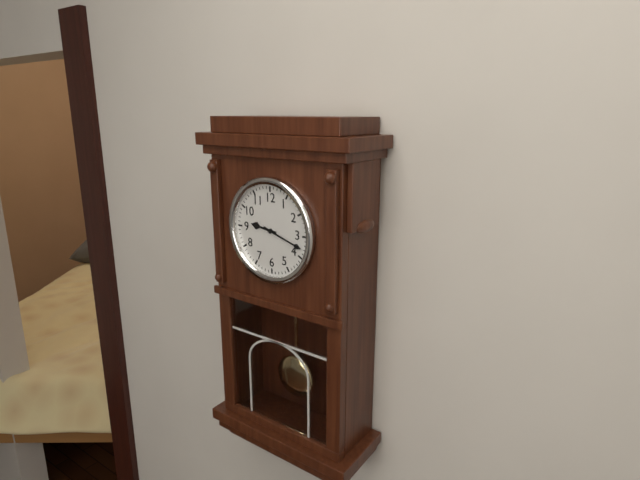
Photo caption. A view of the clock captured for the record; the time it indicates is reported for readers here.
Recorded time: 9:18
